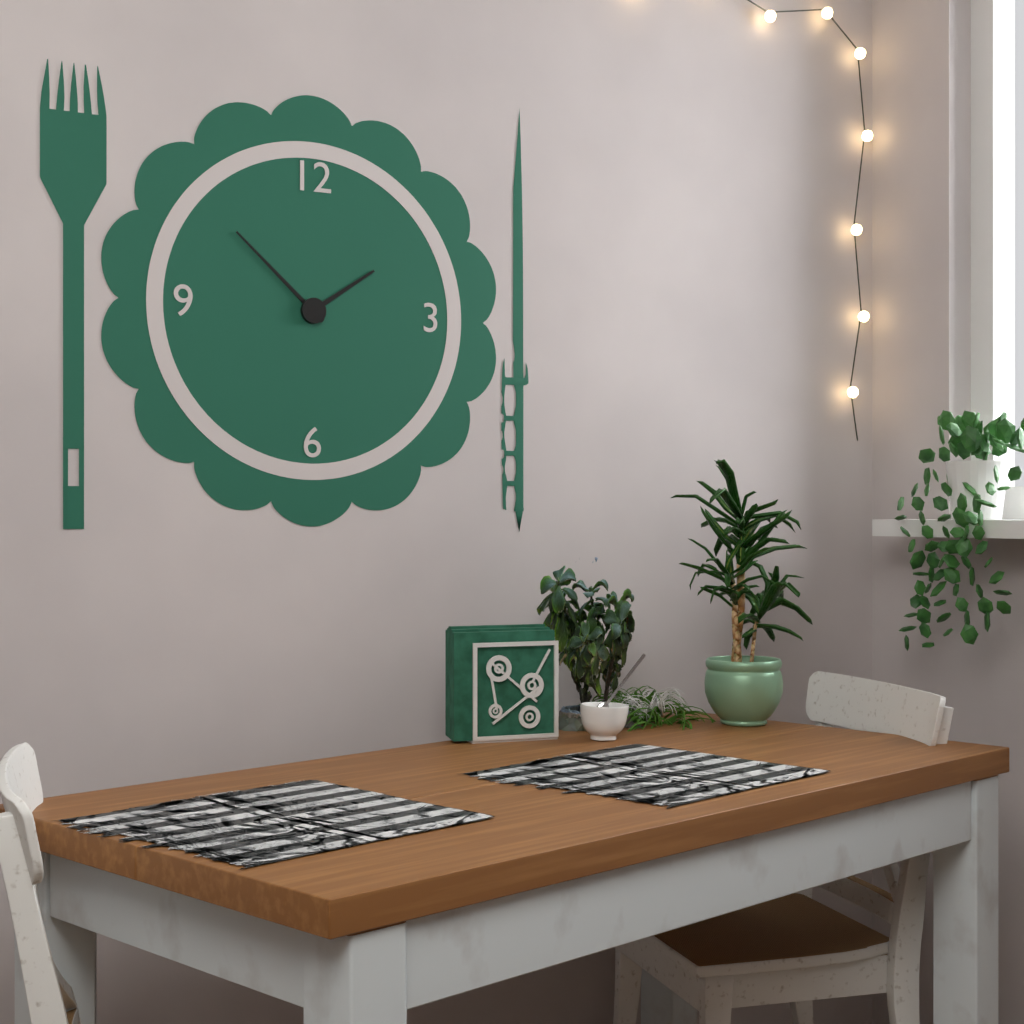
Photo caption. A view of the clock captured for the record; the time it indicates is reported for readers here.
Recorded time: 1:52
